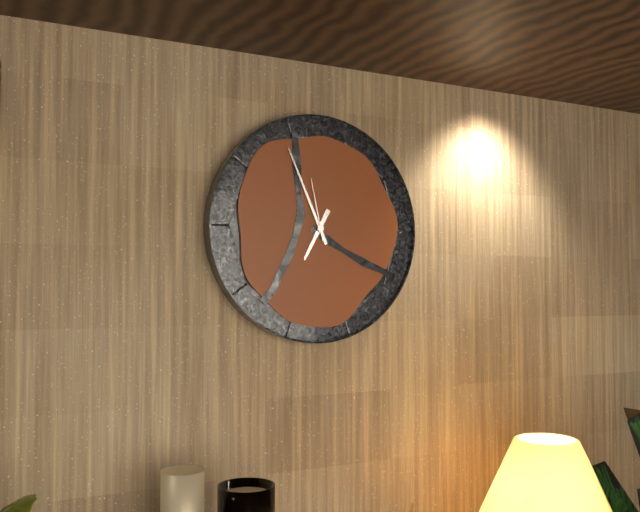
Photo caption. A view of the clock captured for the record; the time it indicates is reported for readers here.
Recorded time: 6:56:58
